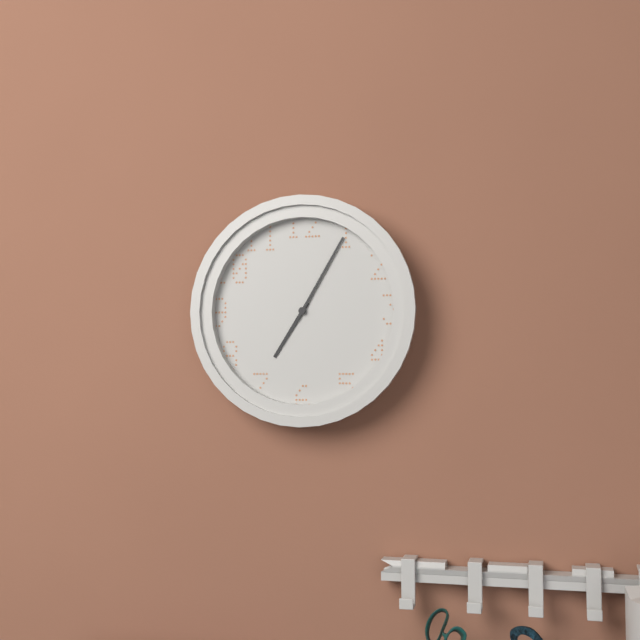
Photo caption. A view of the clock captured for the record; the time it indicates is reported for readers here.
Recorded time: 7:05
